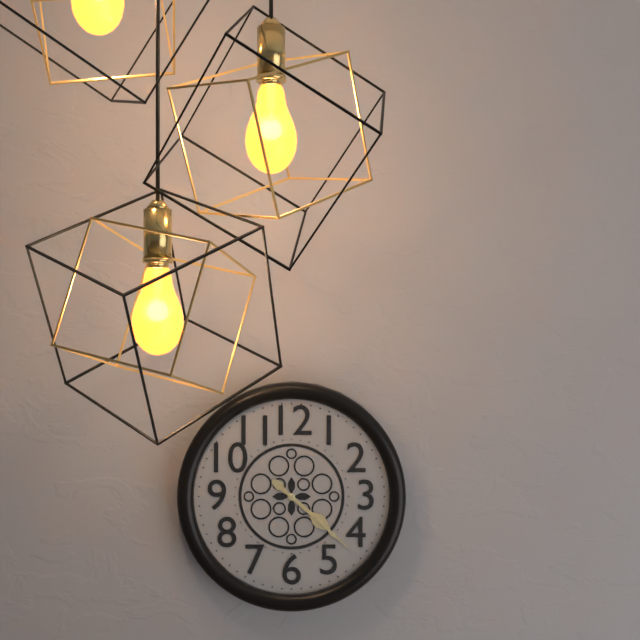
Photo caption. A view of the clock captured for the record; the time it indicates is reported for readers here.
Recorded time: 4:22
